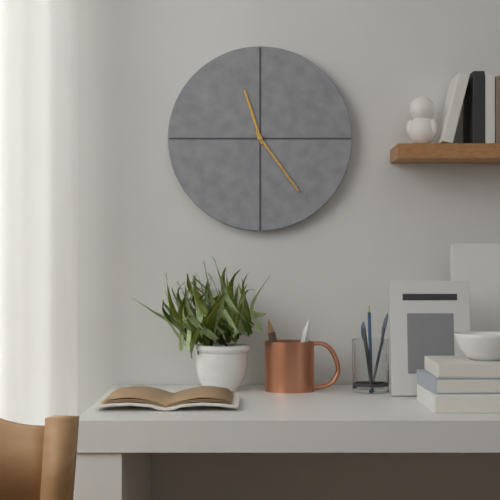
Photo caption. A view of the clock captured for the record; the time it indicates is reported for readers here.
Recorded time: 11:24
